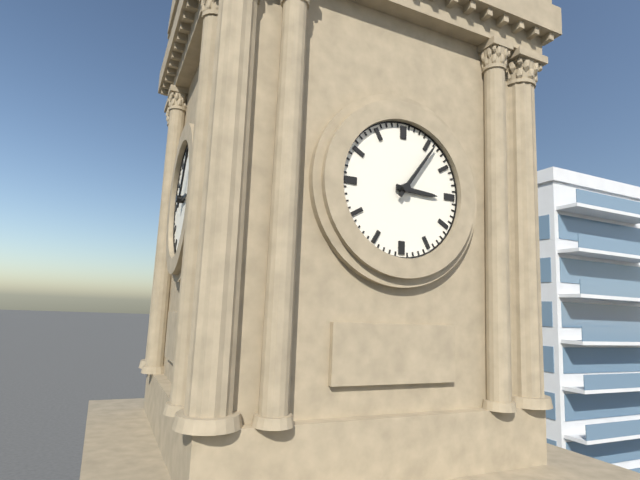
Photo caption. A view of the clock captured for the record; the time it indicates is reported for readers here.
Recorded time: 3:06
